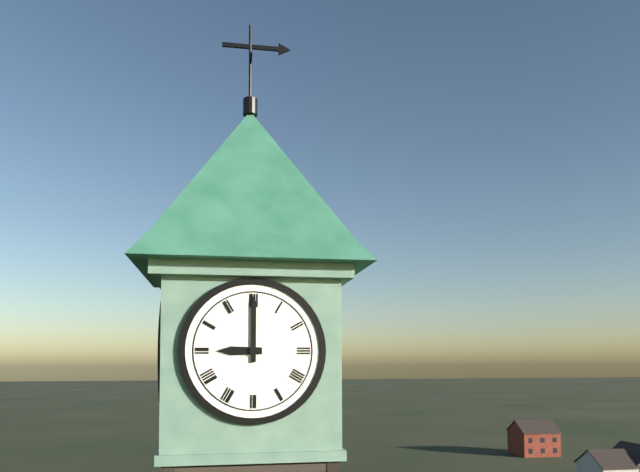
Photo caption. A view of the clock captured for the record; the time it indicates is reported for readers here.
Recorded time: 9:00
